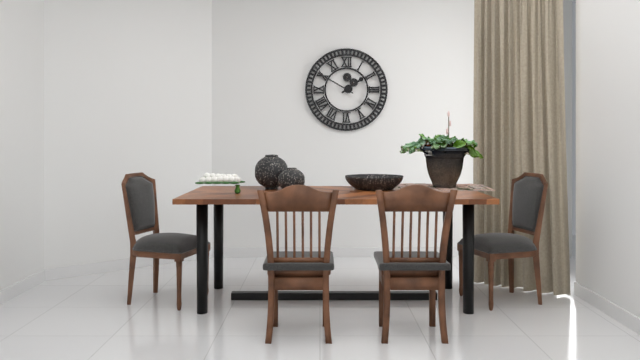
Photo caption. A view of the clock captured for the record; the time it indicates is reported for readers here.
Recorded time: 1:50
